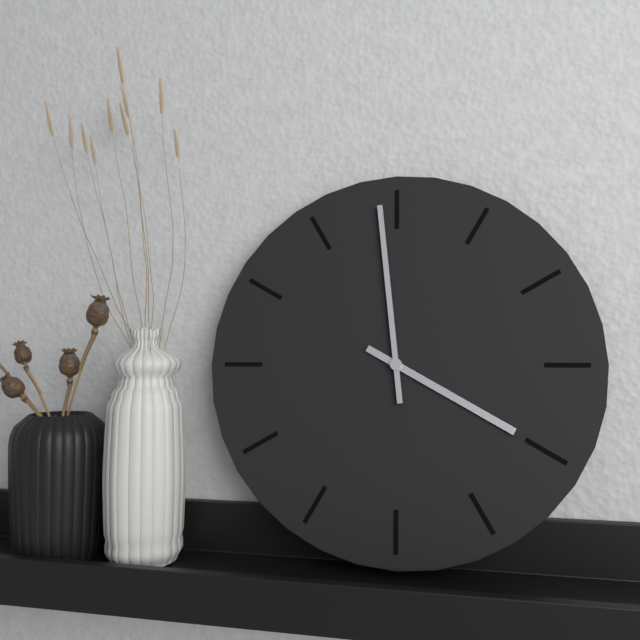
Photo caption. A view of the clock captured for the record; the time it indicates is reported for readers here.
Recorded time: 3:59
